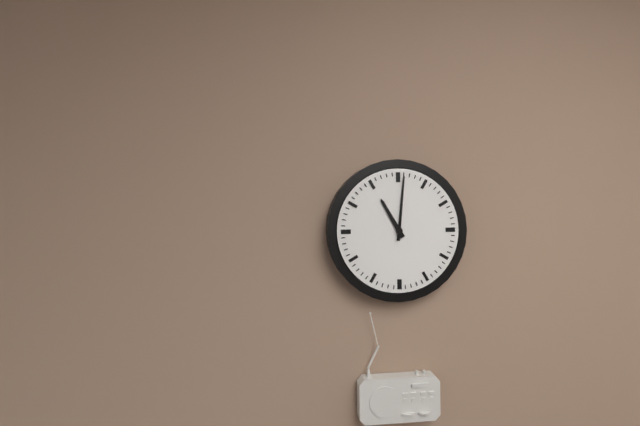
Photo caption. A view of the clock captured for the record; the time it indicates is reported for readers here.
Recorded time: 11:01
